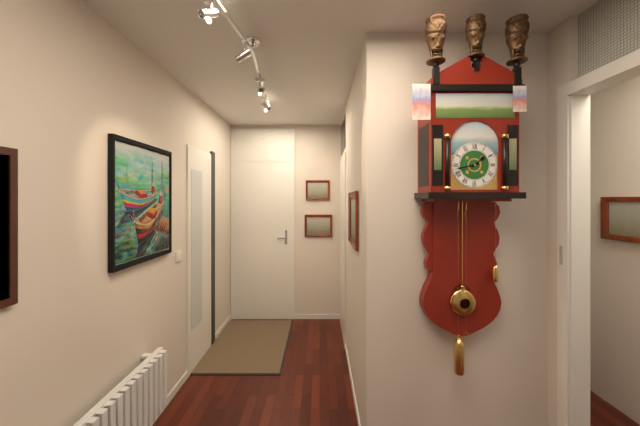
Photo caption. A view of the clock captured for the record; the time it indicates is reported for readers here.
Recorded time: 1:43
